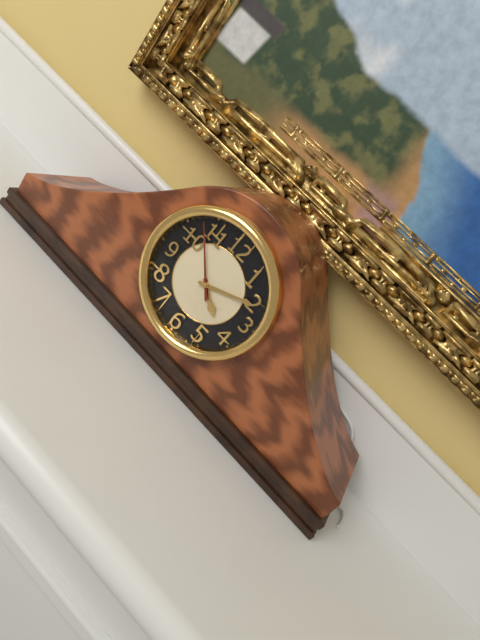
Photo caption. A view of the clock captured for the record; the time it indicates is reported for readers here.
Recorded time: 4:11:53
